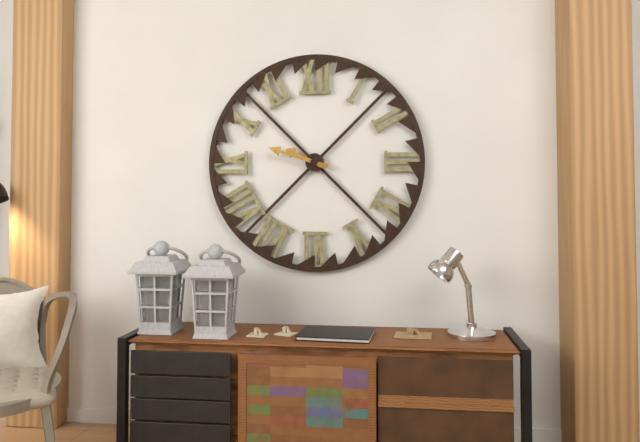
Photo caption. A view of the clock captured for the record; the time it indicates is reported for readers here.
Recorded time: 9:48
